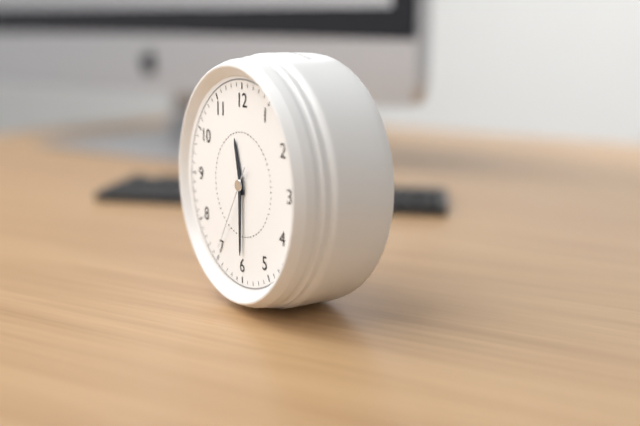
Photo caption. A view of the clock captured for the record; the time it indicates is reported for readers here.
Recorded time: 11:30:35
